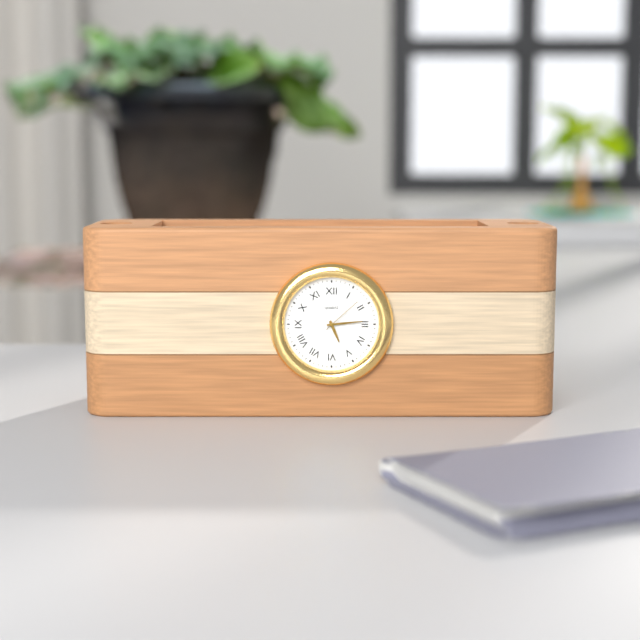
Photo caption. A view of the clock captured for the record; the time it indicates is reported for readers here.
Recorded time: 5:14
